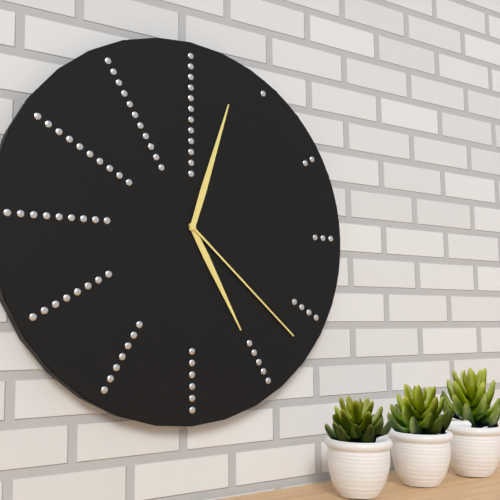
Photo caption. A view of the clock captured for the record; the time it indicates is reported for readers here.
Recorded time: 5:03:22
